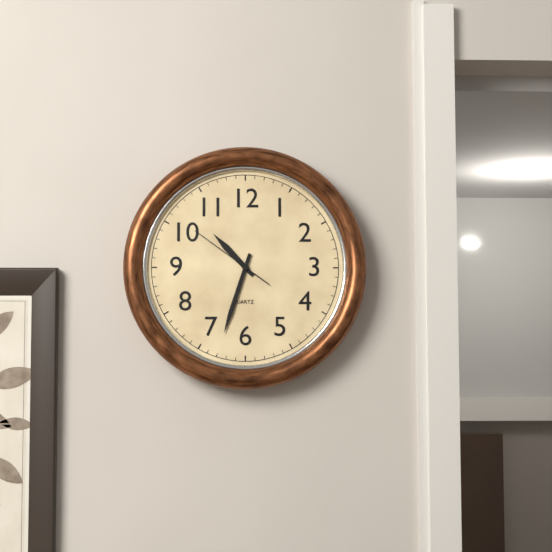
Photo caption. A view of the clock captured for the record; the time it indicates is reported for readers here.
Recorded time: 10:33:51
